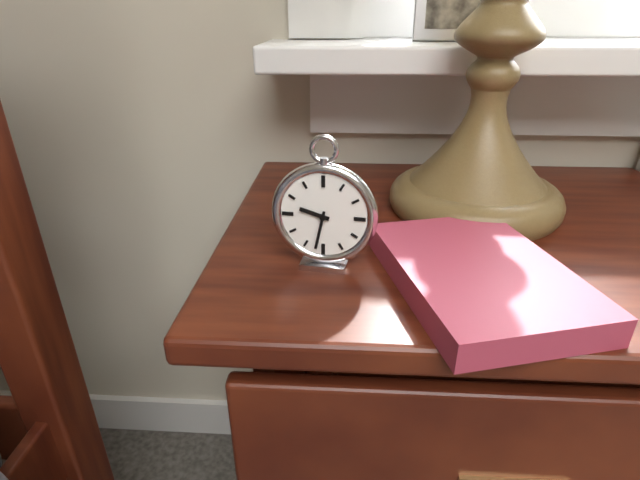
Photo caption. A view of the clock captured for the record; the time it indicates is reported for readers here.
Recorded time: 9:32
